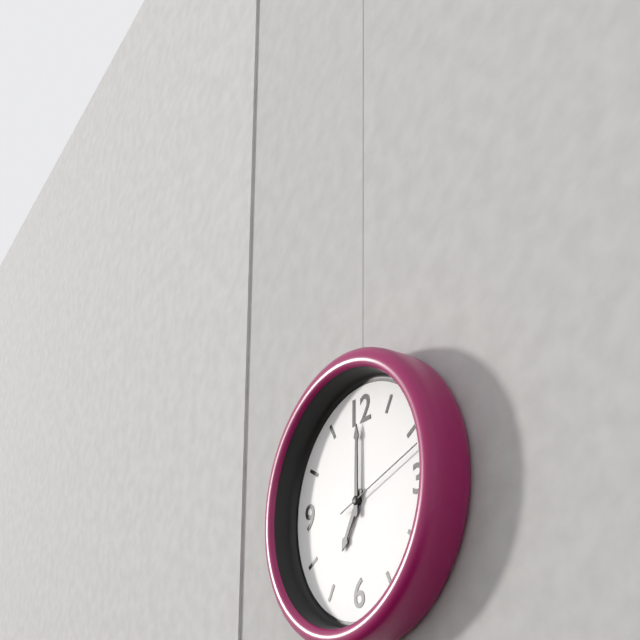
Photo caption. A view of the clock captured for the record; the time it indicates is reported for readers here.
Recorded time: 7:00:12
